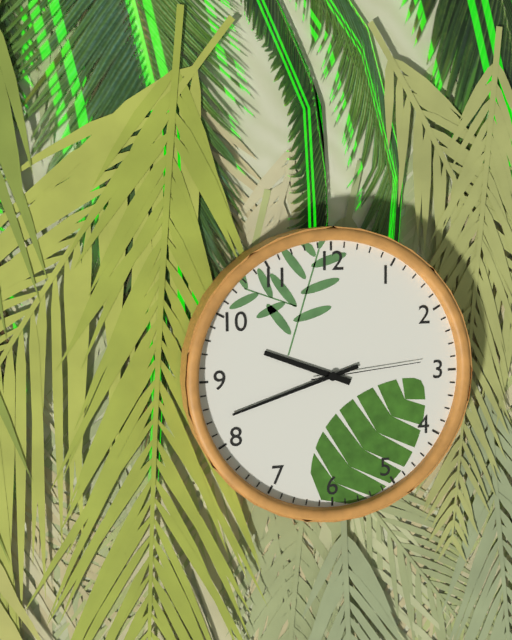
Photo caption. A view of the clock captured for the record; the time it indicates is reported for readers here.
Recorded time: 9:42:14
